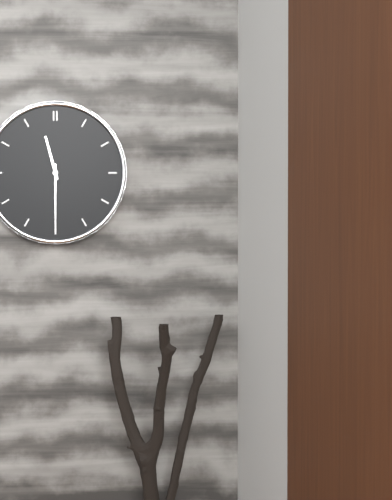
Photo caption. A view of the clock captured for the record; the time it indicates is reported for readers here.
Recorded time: 11:30
